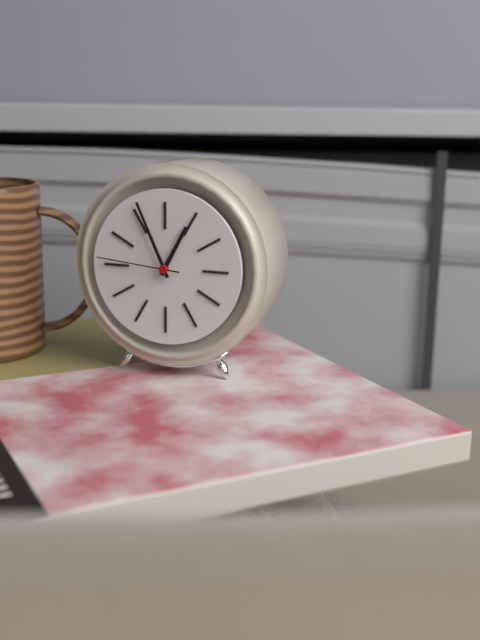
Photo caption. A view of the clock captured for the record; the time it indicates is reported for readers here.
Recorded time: 12:56:46
